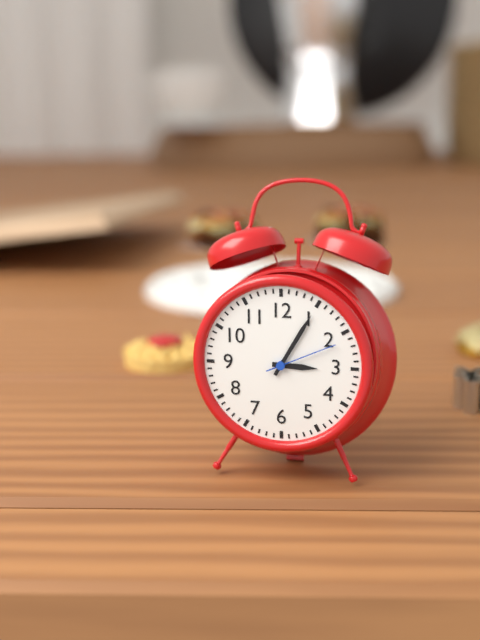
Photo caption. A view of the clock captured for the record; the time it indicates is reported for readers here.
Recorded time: 3:05:11
